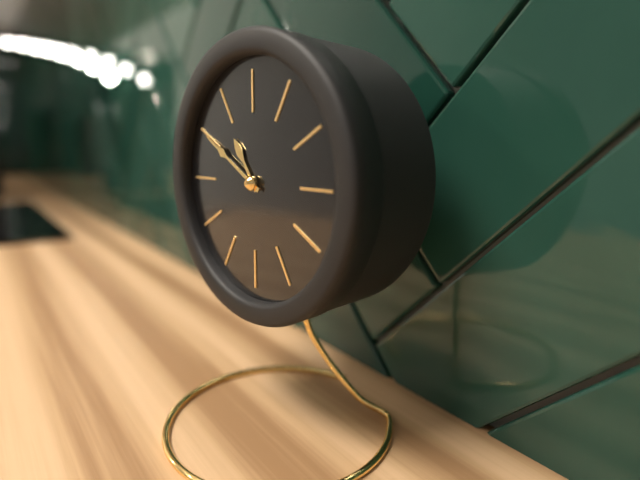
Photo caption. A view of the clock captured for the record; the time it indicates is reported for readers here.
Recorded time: 10:50
